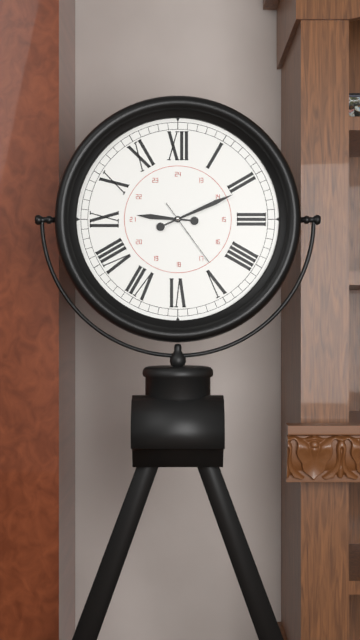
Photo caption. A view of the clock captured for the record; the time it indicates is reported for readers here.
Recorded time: 9:11:24
